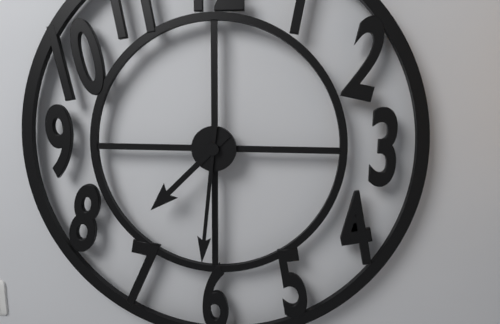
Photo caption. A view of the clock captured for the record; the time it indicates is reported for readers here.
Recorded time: 7:31
